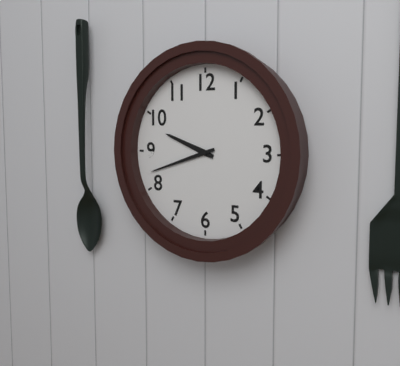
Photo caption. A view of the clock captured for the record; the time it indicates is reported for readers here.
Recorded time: 9:42
